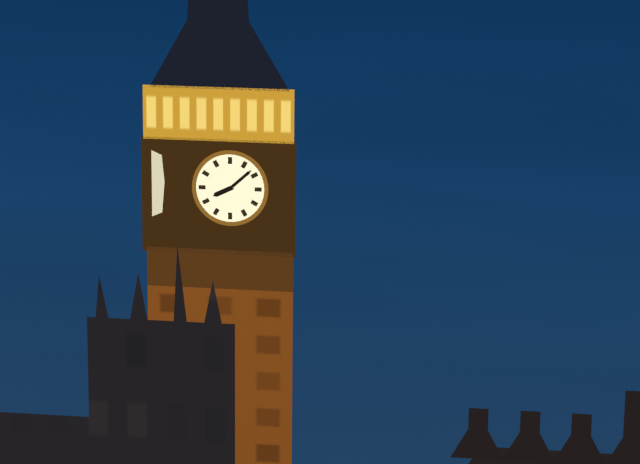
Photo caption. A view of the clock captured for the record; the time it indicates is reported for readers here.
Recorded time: 8:08
